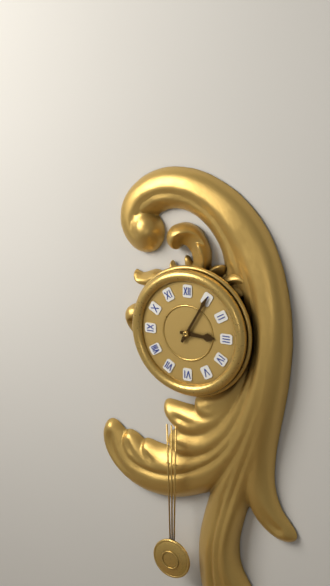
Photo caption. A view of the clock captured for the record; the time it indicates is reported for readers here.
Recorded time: 3:05
